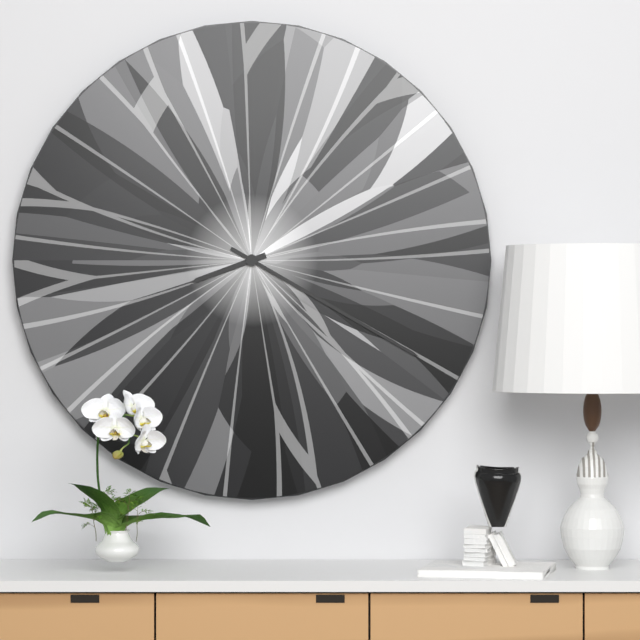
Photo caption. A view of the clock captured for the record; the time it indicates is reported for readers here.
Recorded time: 8:20
